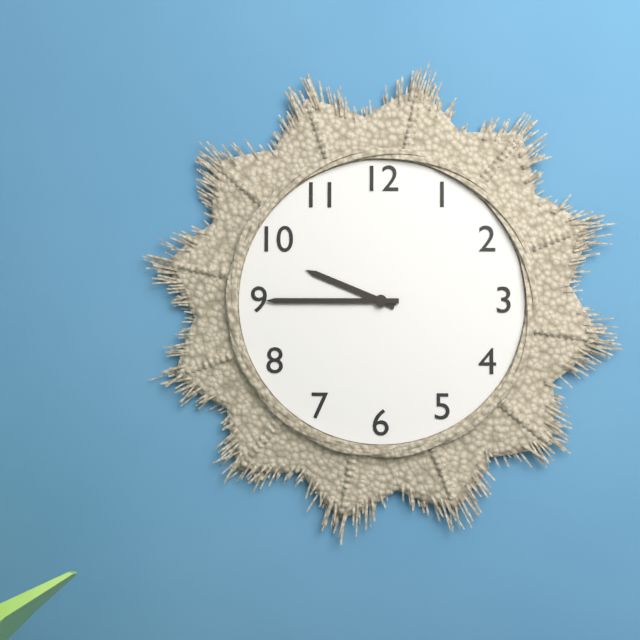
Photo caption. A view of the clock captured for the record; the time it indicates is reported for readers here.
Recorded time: 9:45
